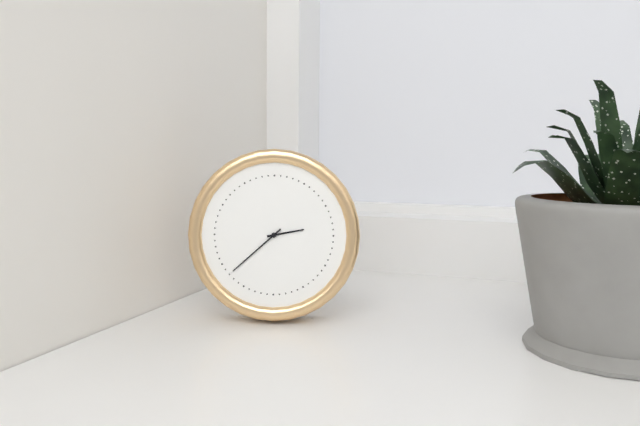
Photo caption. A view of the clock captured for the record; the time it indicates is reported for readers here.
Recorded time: 2:38
